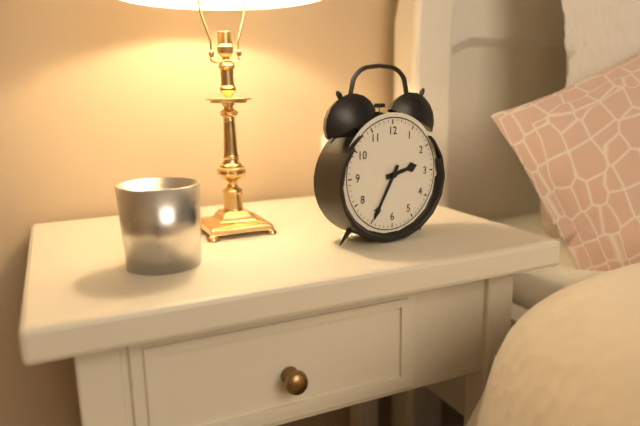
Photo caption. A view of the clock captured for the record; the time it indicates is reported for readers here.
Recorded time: 2:35
